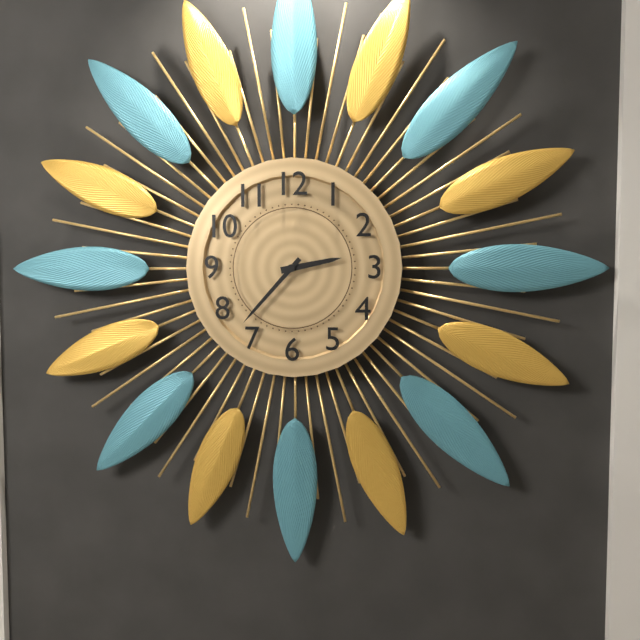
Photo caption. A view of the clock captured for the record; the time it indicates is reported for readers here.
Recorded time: 2:37
